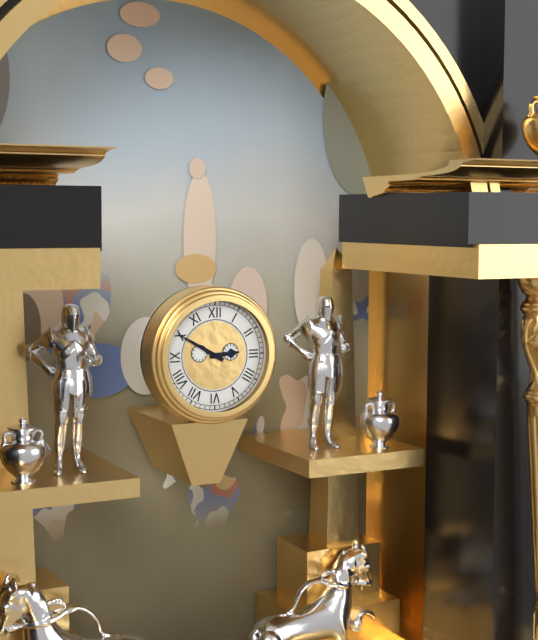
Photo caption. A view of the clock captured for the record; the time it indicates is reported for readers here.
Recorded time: 2:50
